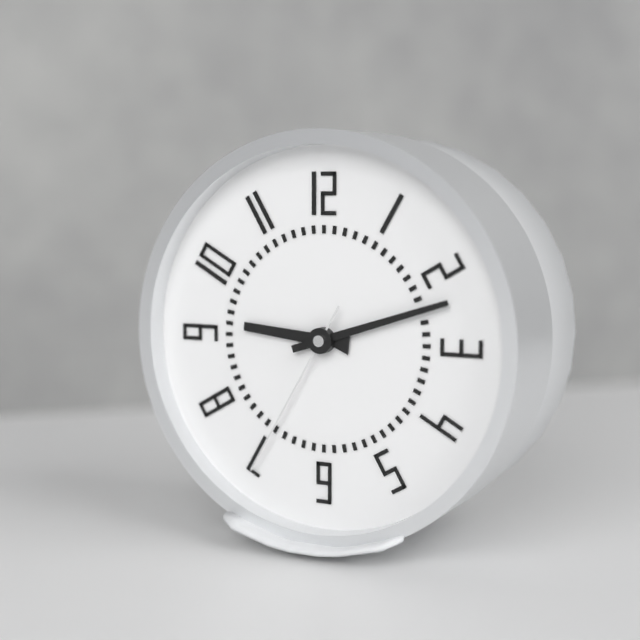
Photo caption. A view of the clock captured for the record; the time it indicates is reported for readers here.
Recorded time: 9:12:35
